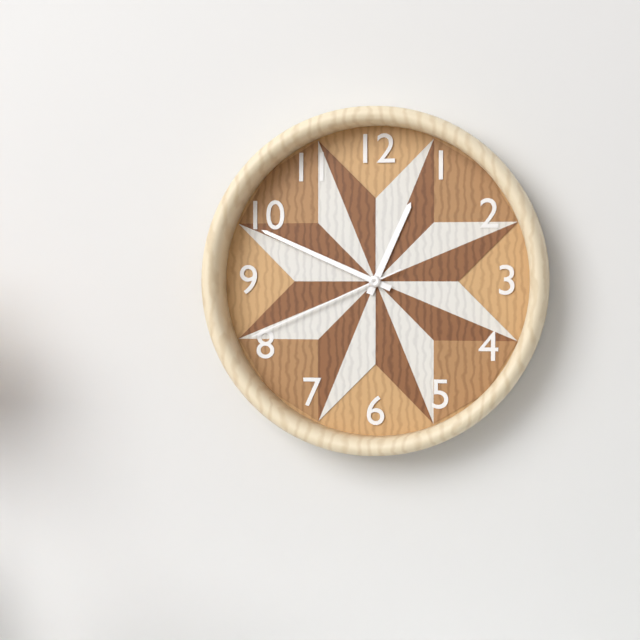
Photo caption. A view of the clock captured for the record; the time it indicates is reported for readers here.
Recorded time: 12:49:41
